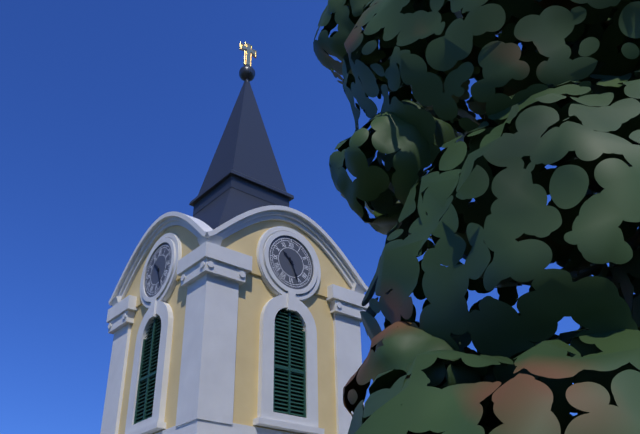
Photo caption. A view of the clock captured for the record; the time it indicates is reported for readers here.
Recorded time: 10:26
